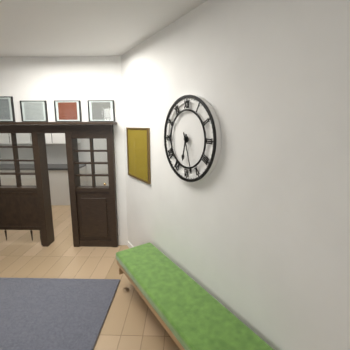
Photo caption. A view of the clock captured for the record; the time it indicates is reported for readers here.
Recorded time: 6:27
